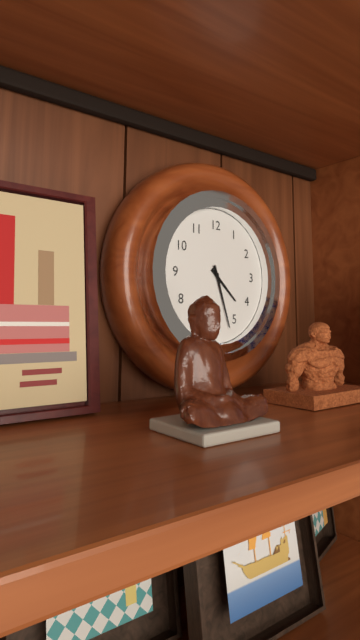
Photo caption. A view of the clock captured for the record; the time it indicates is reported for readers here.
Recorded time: 4:27
